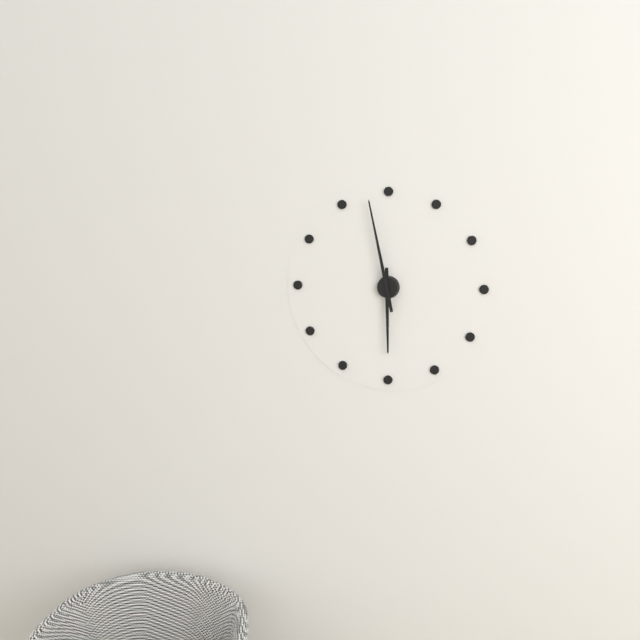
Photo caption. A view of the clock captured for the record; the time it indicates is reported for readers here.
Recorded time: 5:58
